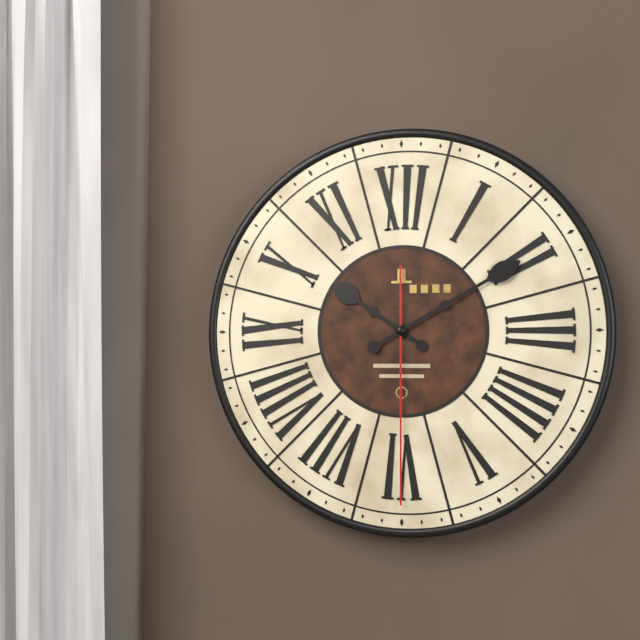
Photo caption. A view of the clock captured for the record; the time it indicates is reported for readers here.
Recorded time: 10:10:30
